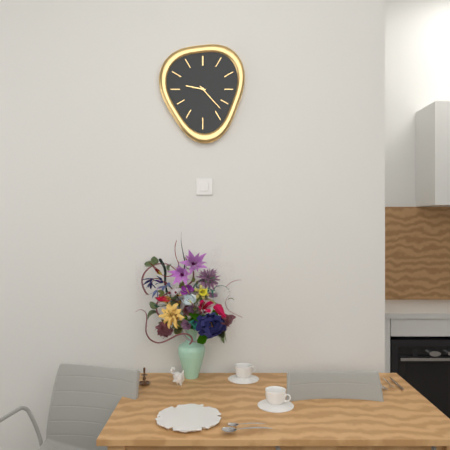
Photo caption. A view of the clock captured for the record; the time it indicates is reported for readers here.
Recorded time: 9:23
